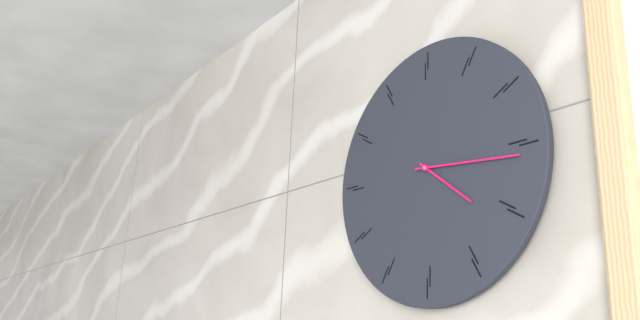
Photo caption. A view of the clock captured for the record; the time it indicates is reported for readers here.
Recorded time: 4:16
